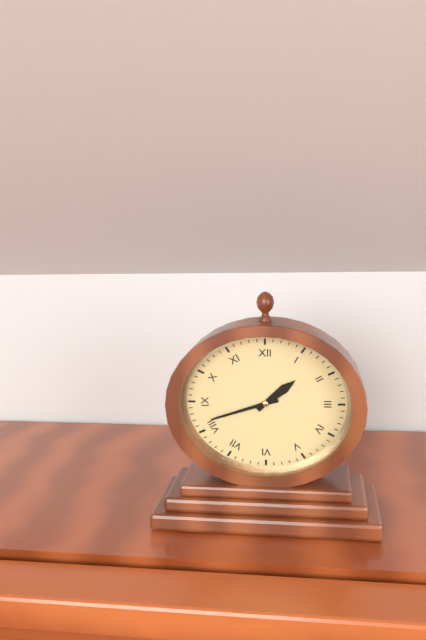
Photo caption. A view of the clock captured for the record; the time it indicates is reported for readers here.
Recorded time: 1:42
